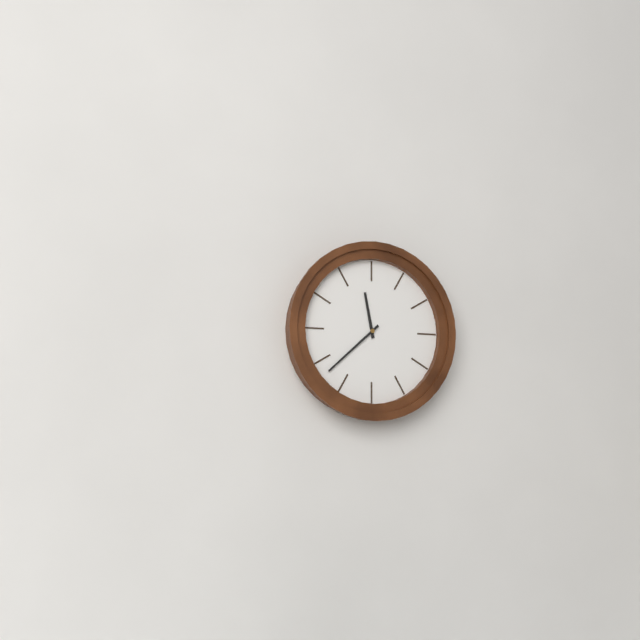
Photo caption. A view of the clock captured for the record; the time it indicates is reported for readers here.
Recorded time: 11:38
